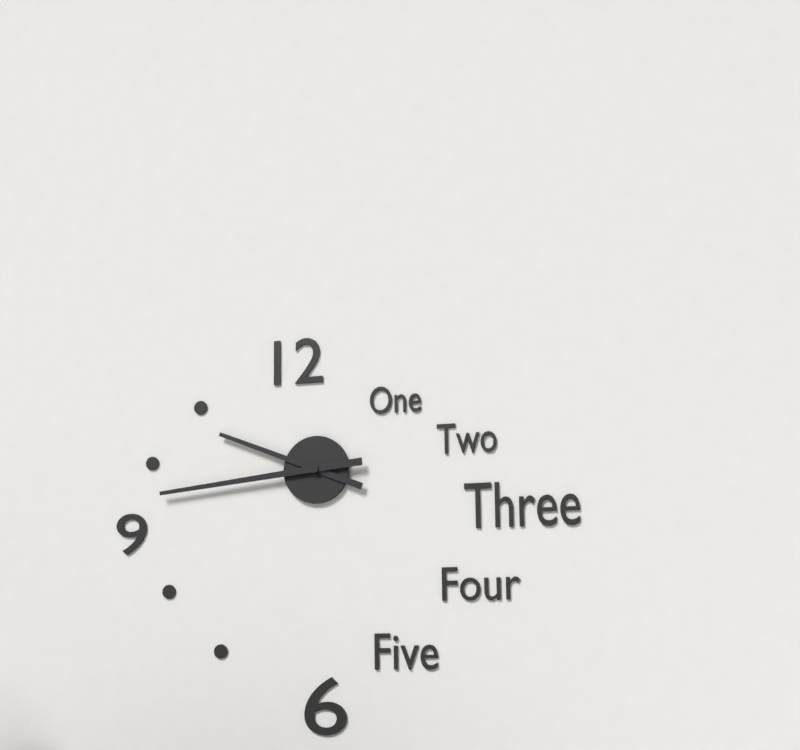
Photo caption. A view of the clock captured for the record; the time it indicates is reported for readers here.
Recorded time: 9:44
